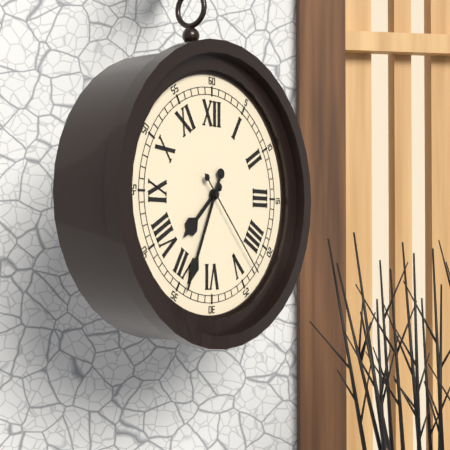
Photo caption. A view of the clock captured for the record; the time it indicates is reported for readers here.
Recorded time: 7:34:23
